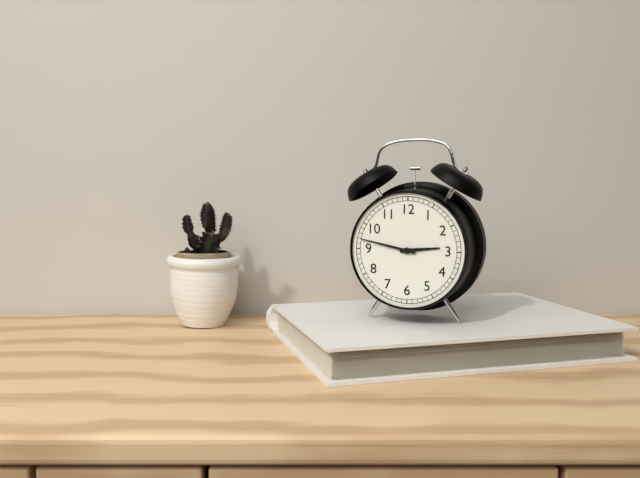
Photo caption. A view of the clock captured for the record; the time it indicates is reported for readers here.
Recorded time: 2:47
